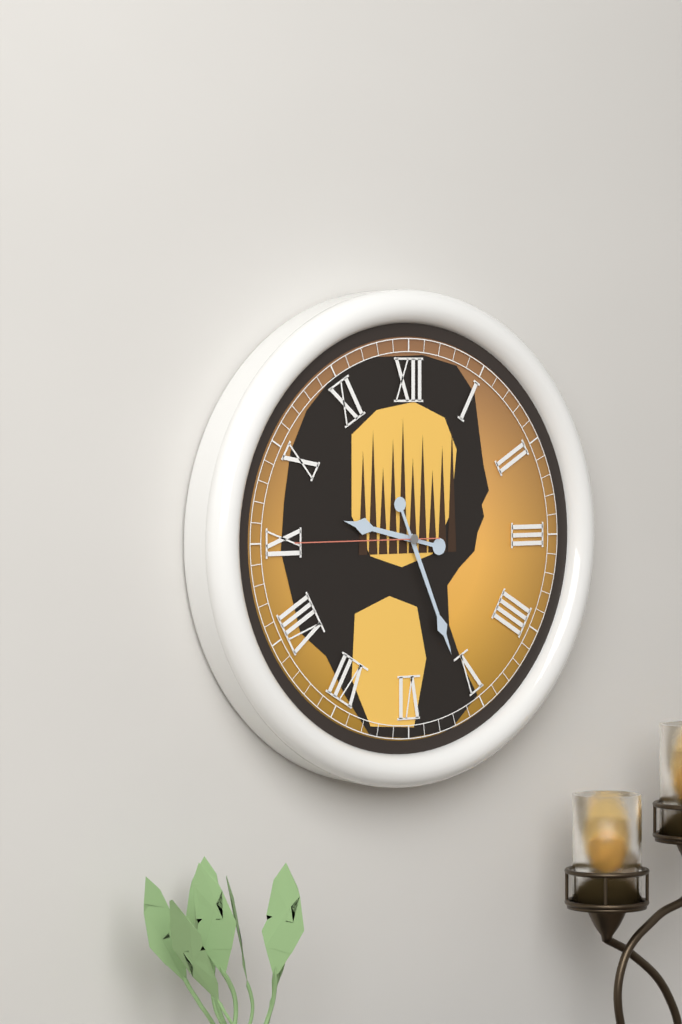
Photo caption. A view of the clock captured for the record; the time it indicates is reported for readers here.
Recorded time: 9:26:45
